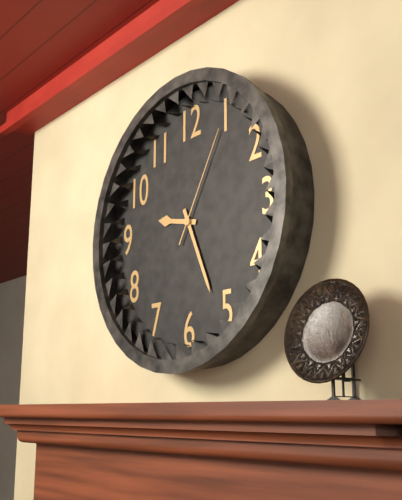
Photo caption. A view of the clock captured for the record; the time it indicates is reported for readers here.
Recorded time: 9:26:05
